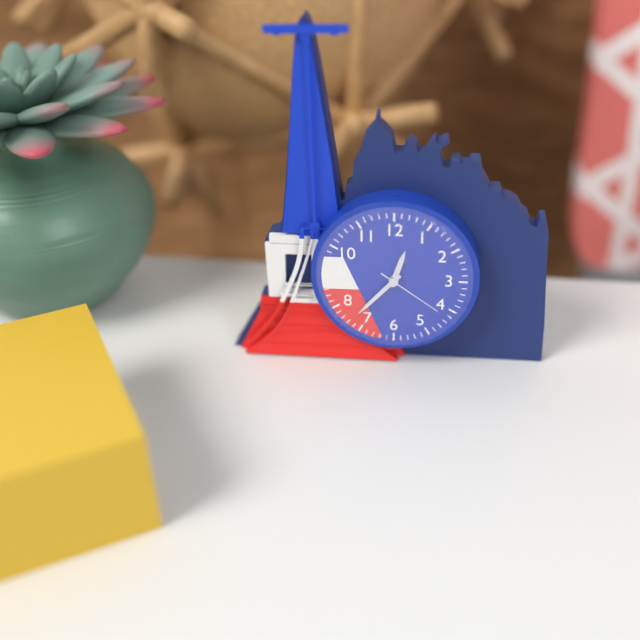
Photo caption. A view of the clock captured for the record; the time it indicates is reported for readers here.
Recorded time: 12:37:21
